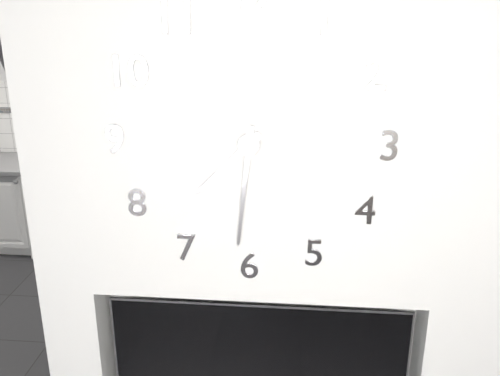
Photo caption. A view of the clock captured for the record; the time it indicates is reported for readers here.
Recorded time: 7:31
